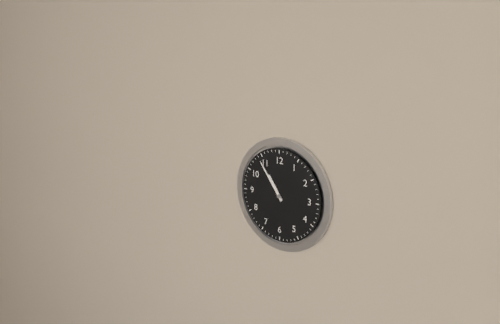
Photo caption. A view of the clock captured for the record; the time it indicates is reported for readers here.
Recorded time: 10:54
